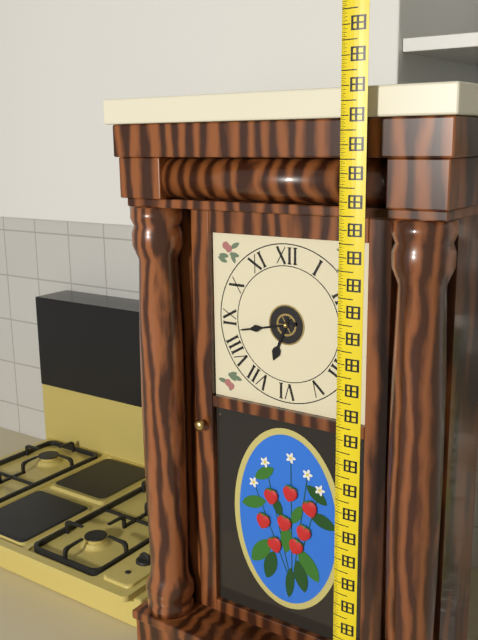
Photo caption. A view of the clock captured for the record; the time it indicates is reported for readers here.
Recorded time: 6:43
